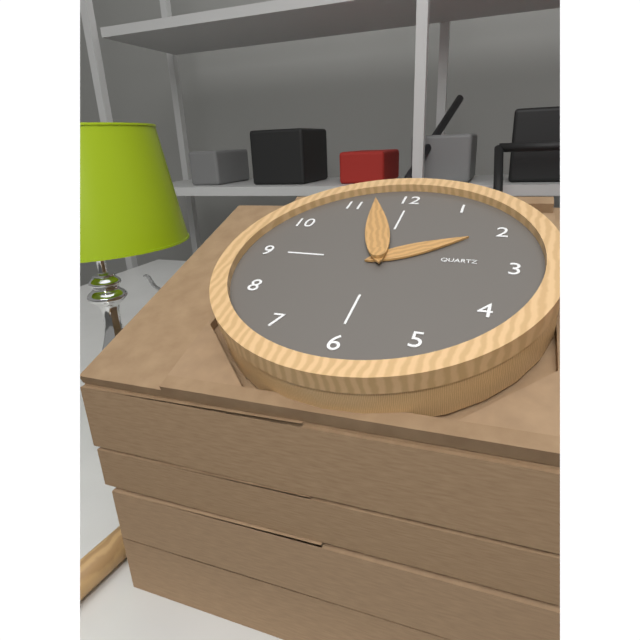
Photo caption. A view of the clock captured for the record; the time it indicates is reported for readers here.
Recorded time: 1:57
